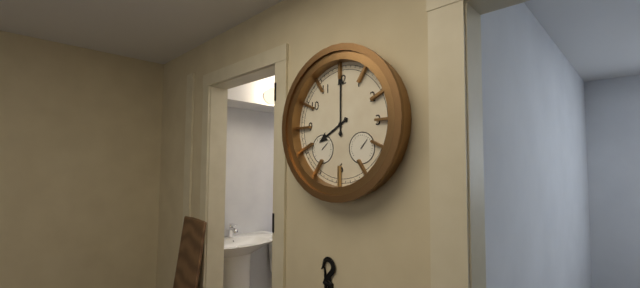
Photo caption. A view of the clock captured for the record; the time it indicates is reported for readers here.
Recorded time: 8:00
